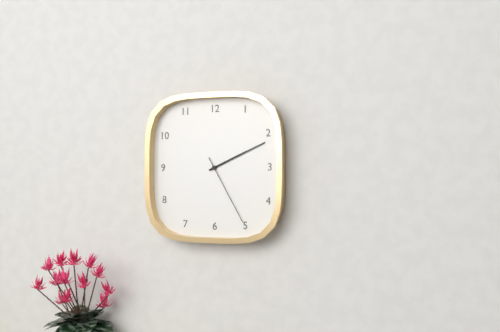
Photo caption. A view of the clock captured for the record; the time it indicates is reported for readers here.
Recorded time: 2:11:25
